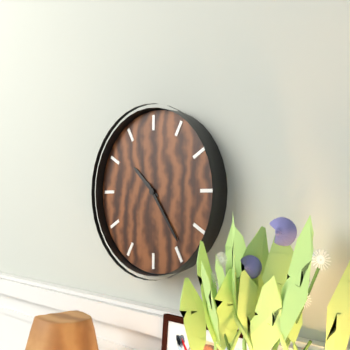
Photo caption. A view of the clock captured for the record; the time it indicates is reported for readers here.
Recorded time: 10:24
